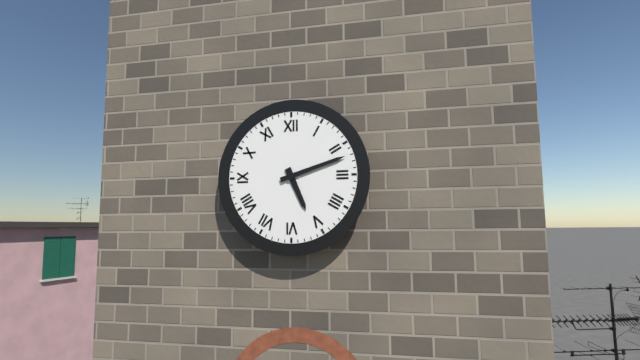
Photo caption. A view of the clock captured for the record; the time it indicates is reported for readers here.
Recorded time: 5:12
